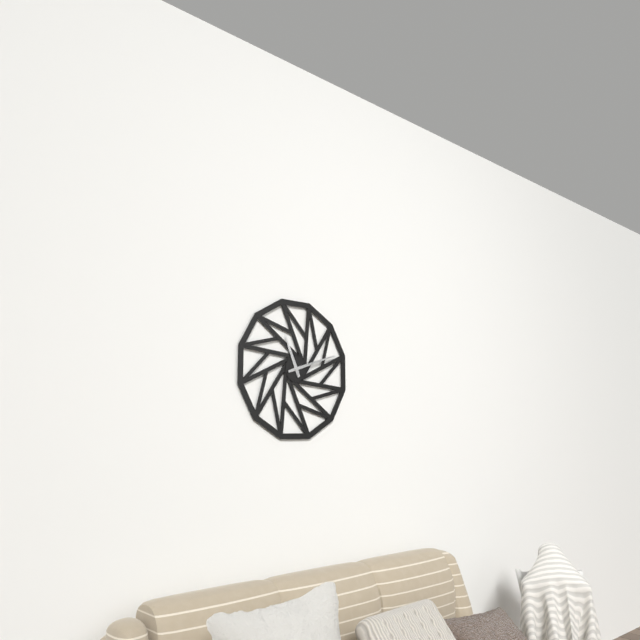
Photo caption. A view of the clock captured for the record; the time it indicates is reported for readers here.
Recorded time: 11:12
